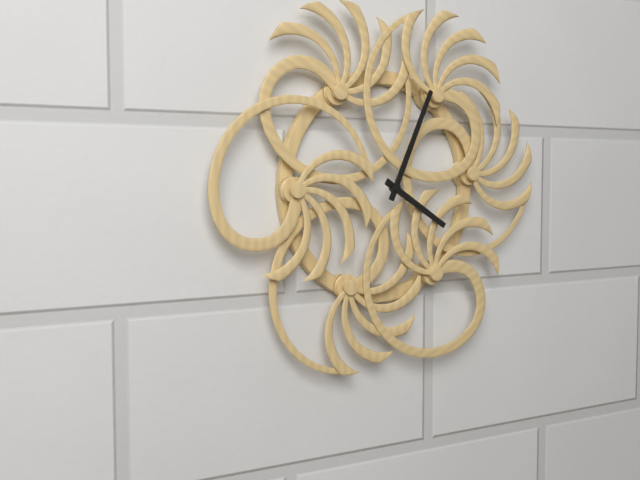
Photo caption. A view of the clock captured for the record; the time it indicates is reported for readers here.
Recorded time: 4:04
